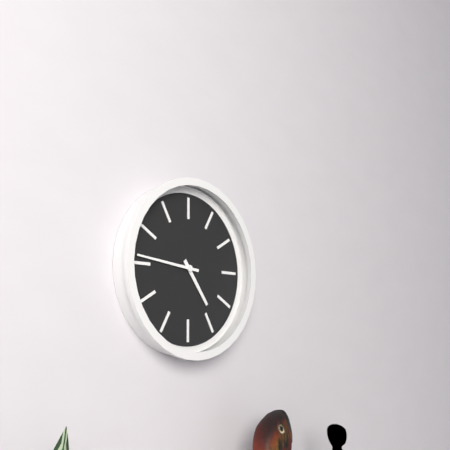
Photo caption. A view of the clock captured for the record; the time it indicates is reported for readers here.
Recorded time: 4:46
